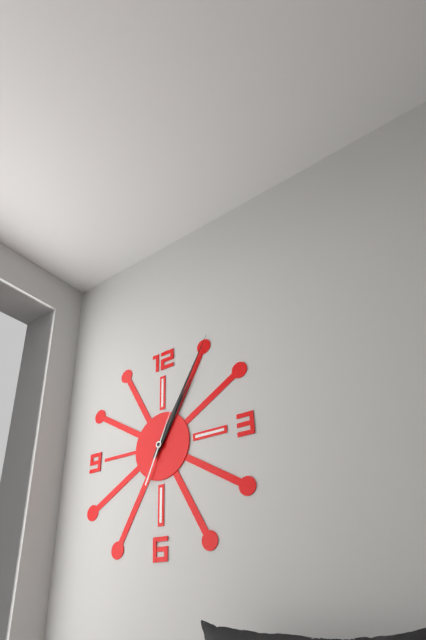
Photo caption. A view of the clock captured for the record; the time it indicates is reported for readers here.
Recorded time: 1:05:04
